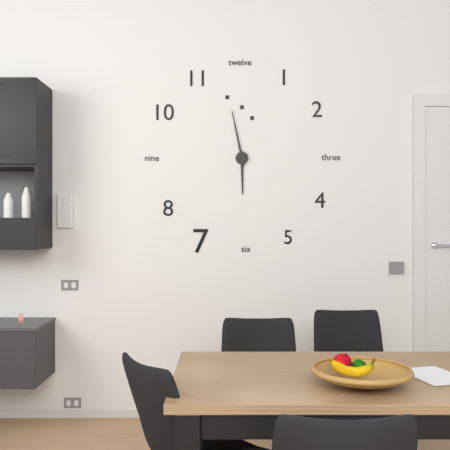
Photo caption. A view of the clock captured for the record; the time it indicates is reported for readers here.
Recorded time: 5:58
